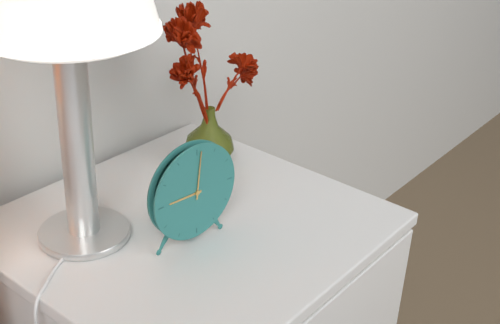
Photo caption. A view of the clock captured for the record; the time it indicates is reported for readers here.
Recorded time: 9:01
